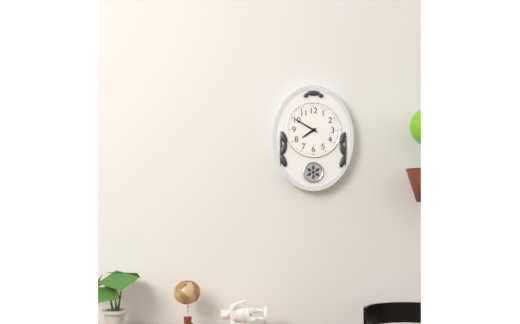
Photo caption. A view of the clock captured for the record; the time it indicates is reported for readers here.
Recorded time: 7:50
